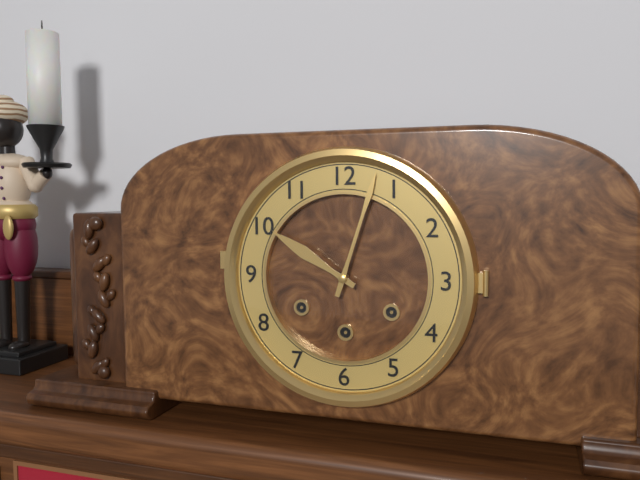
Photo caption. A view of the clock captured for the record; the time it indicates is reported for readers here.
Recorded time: 10:03
